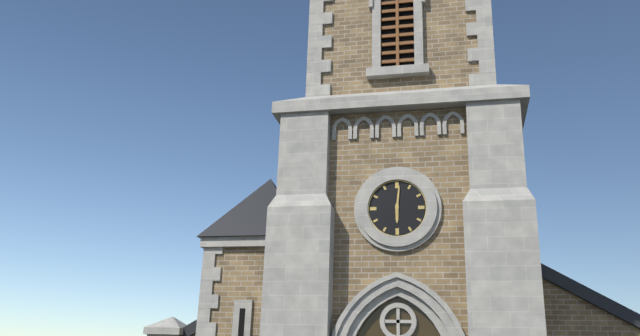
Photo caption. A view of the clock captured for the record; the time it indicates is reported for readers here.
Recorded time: 6:01
